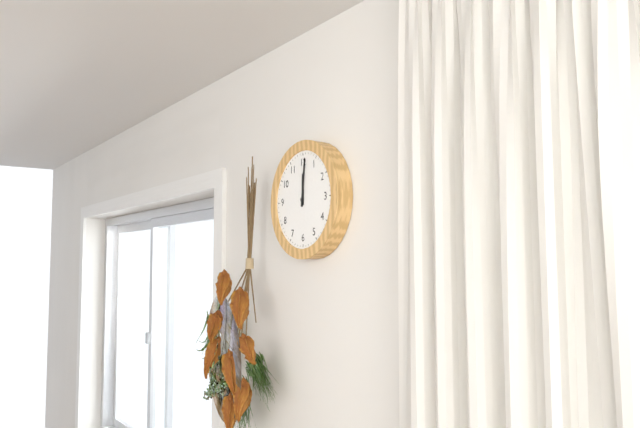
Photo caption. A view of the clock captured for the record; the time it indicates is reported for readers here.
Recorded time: 12:01
